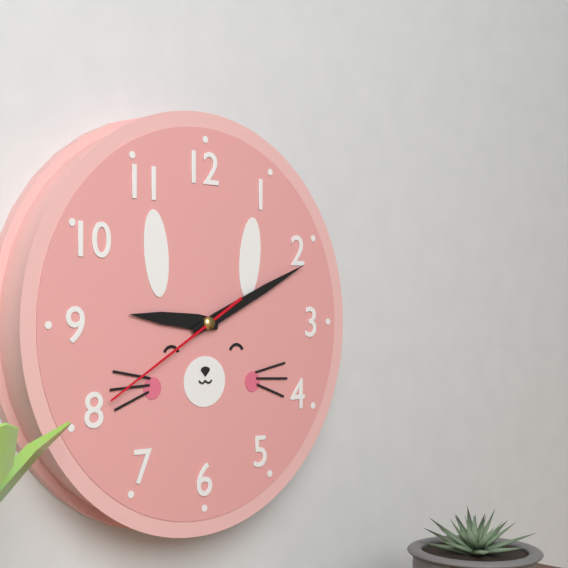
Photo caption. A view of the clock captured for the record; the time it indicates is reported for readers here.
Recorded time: 9:11:40
